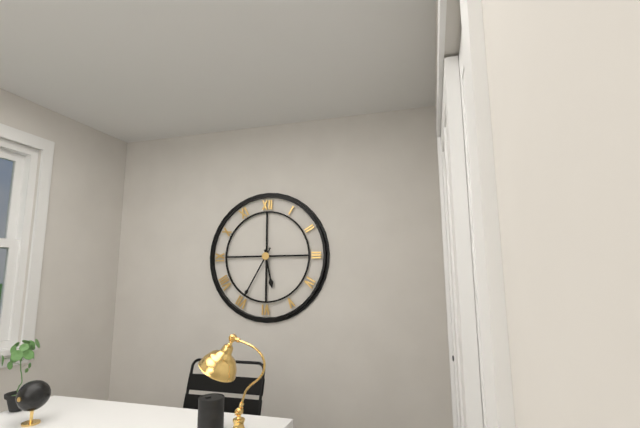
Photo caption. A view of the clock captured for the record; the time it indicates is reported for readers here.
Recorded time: 5:35
